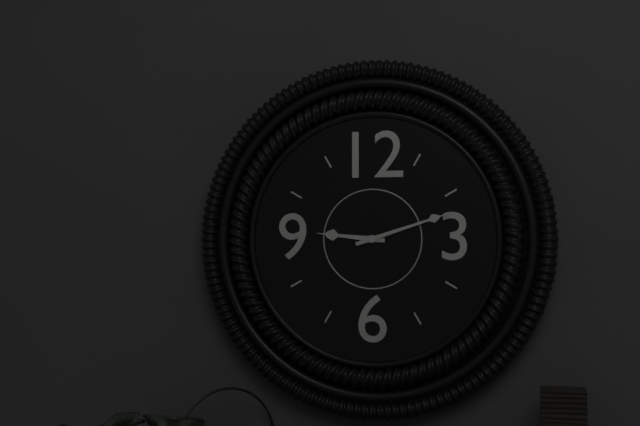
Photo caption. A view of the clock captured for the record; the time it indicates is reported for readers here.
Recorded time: 9:12
